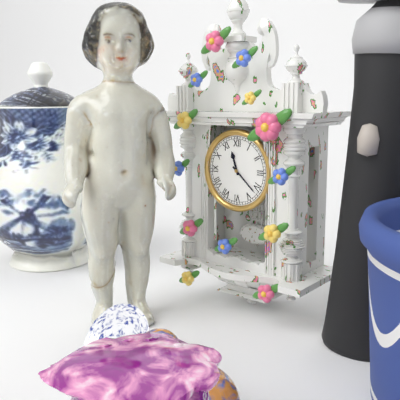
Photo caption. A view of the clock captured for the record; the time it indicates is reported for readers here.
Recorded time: 11:22
